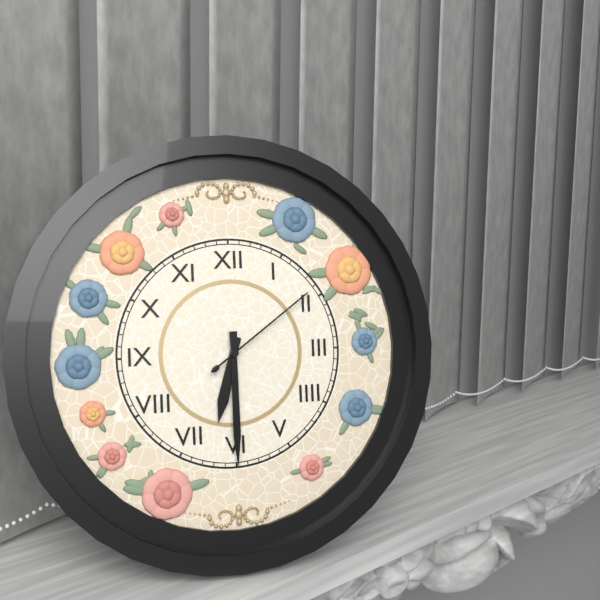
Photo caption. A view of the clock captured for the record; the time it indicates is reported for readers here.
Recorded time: 6:30:09
